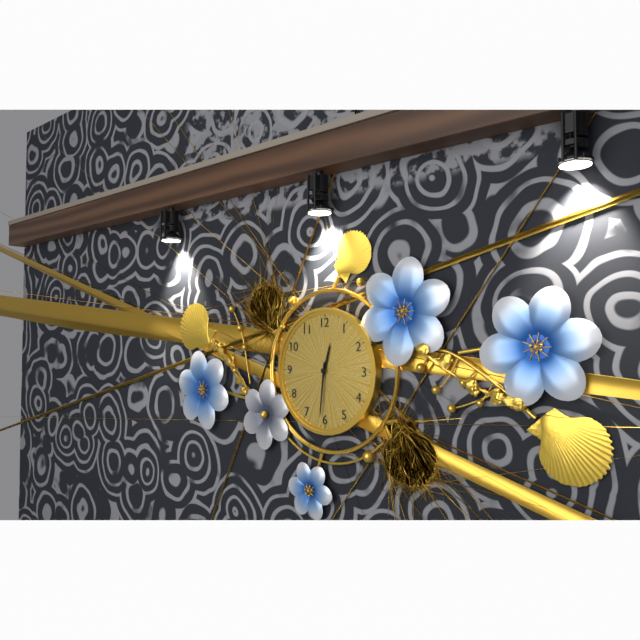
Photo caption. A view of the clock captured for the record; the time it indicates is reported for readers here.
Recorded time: 12:31
